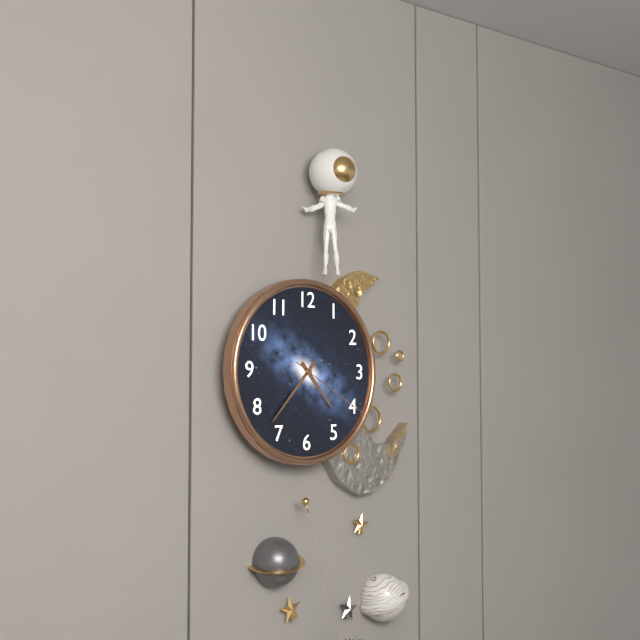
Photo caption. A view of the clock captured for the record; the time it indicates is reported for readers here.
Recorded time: 4:37:20
